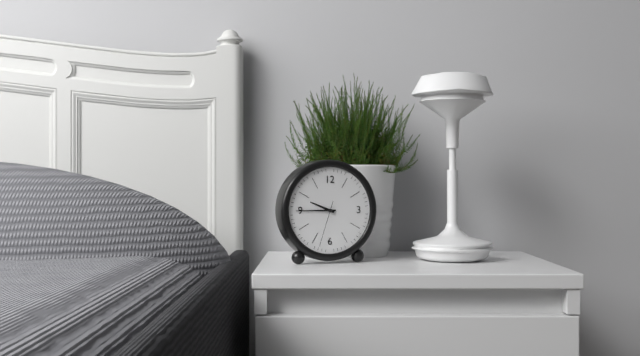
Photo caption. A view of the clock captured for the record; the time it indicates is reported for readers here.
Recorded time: 9:45
